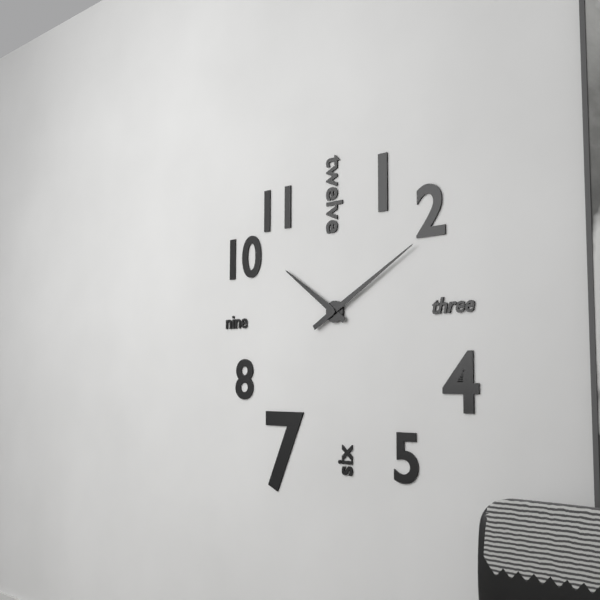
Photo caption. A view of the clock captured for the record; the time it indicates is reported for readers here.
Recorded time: 10:10
